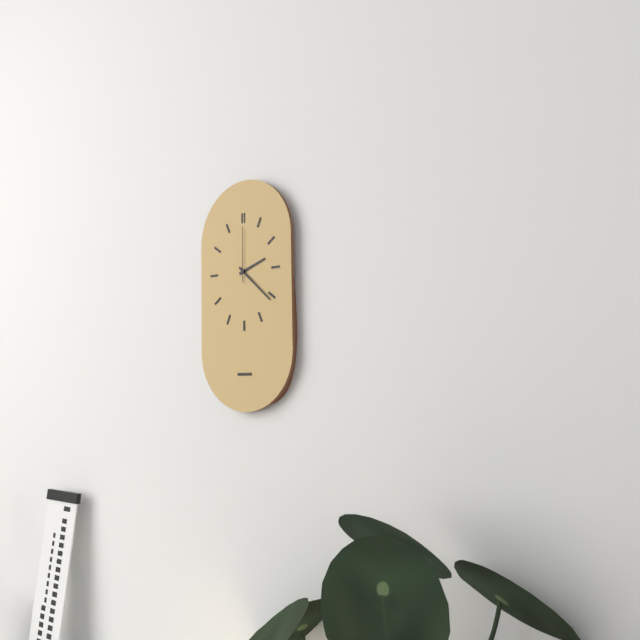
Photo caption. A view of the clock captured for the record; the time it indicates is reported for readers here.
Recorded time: 2:22:00
